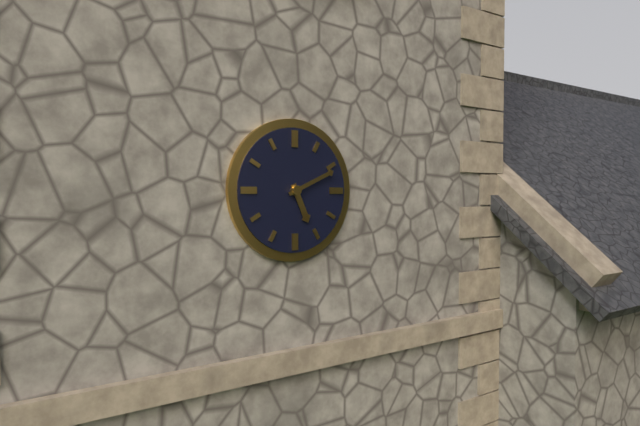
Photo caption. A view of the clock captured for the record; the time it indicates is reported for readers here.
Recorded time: 5:11
